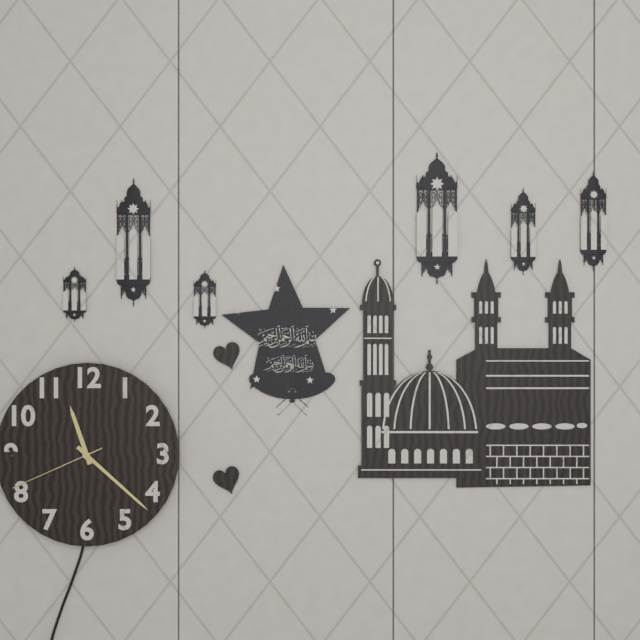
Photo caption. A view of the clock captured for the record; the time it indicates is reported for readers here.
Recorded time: 11:22:41
